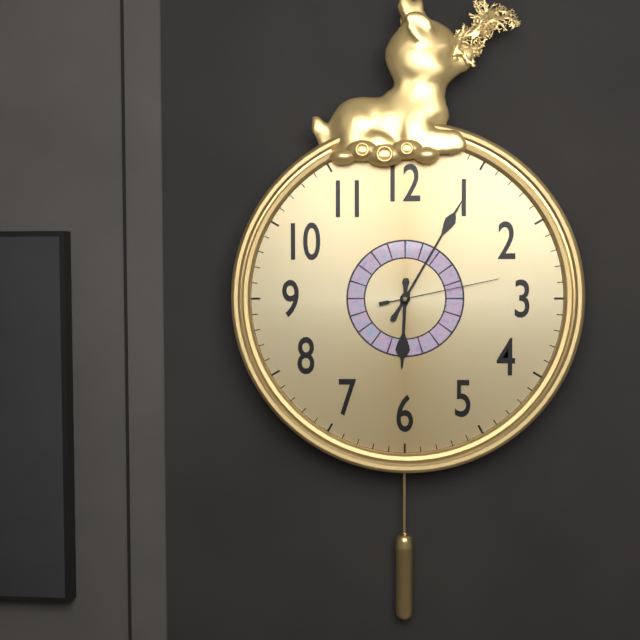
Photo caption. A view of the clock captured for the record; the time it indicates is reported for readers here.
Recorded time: 6:05:13
